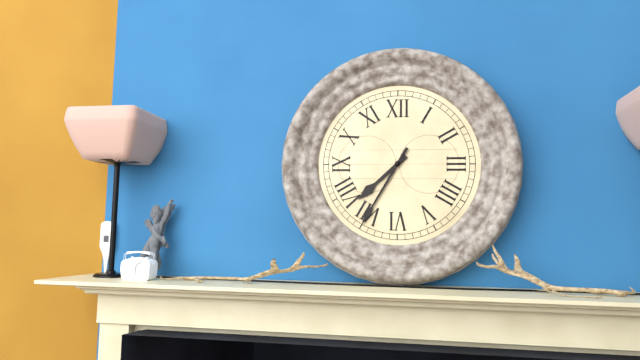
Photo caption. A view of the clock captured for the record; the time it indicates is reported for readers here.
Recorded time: 7:35
